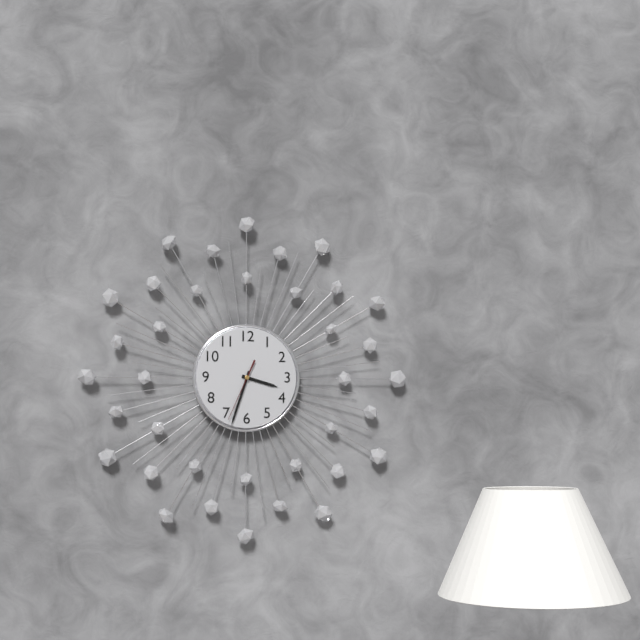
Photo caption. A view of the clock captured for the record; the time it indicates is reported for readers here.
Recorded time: 3:33:34
